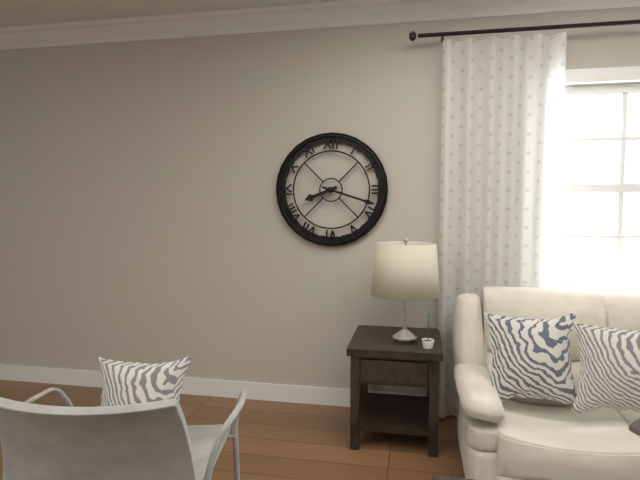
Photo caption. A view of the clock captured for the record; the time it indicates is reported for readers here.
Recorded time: 8:18
